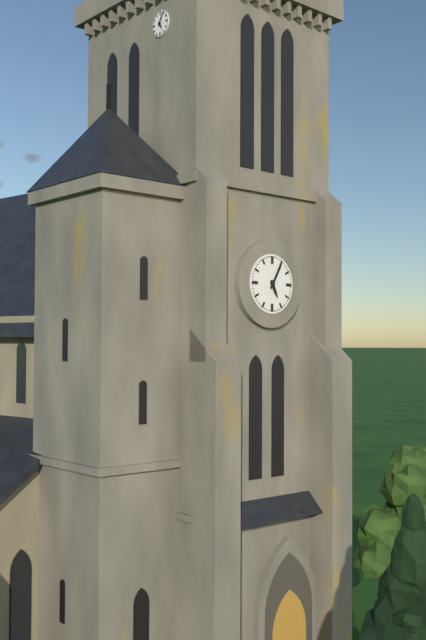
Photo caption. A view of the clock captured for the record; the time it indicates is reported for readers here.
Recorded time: 5:05
